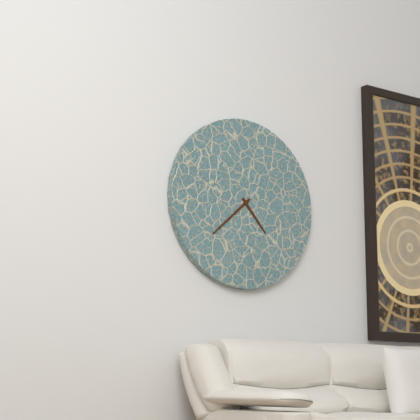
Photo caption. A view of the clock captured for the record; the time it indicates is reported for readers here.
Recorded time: 4:38
